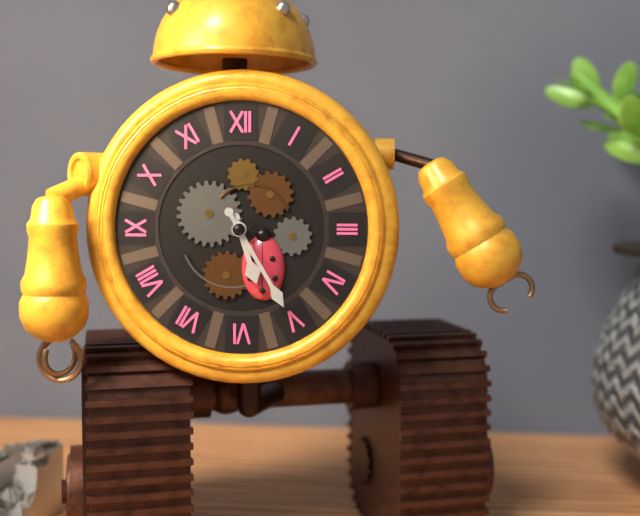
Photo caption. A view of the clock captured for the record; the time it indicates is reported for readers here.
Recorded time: 5:25
